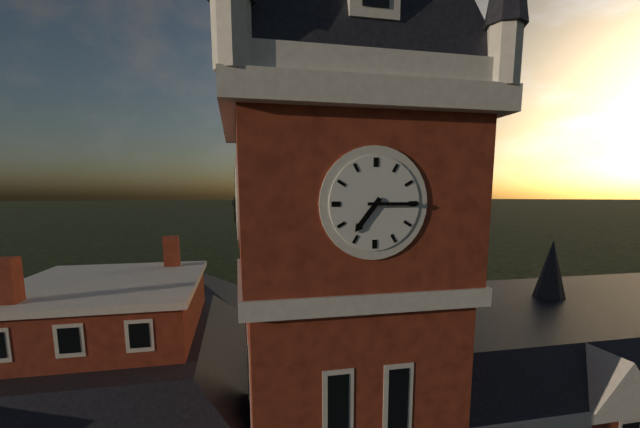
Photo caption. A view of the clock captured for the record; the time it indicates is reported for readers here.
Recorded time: 7:15
